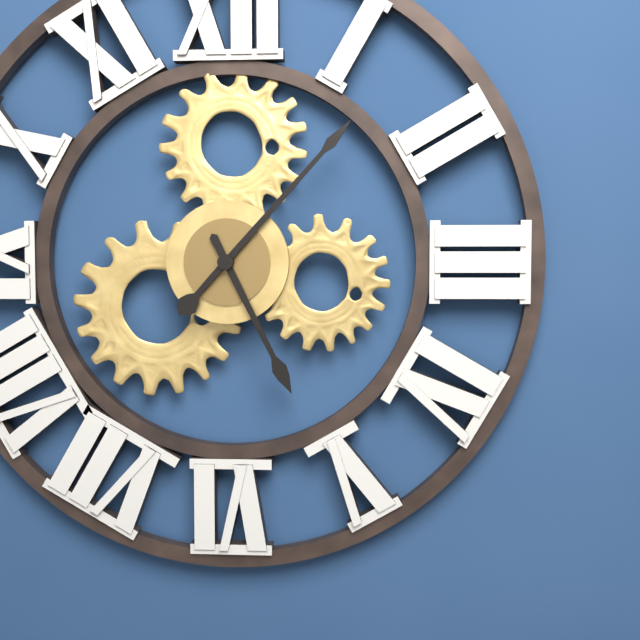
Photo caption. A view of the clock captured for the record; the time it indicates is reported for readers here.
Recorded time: 5:07
